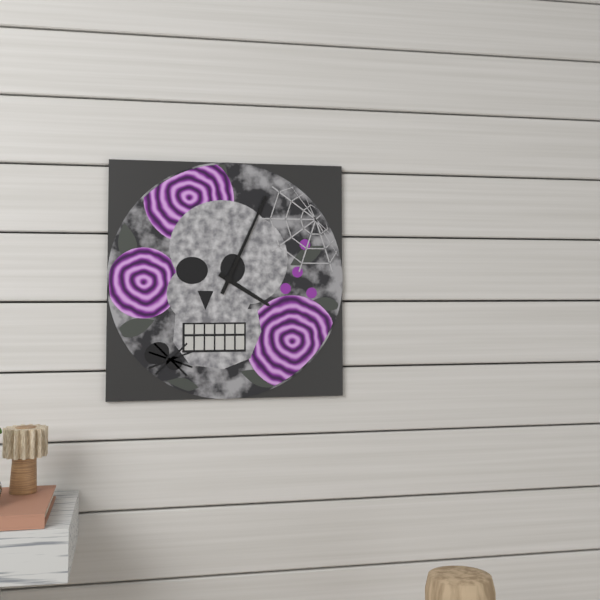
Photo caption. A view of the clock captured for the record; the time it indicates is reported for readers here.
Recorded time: 4:04
